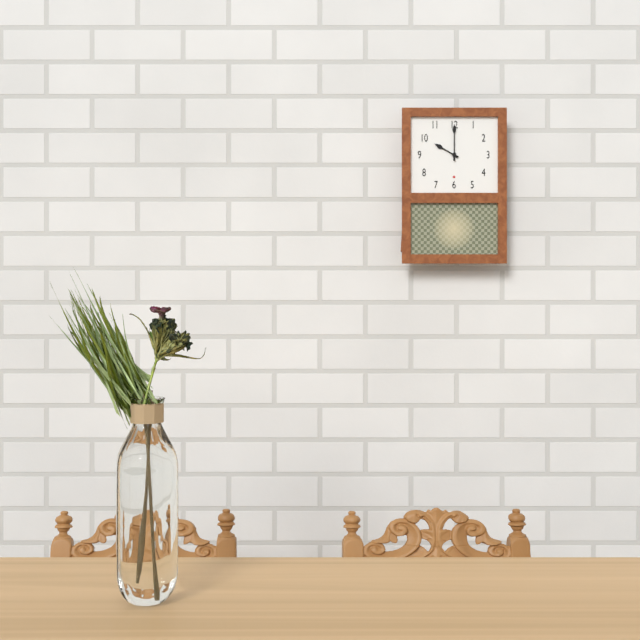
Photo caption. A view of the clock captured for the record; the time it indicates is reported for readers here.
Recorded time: 10:00
